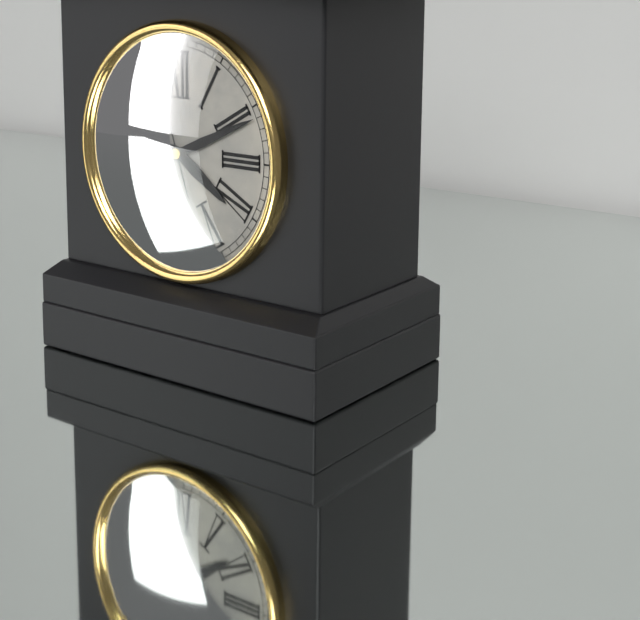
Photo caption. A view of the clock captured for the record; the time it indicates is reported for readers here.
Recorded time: 4:11:57
